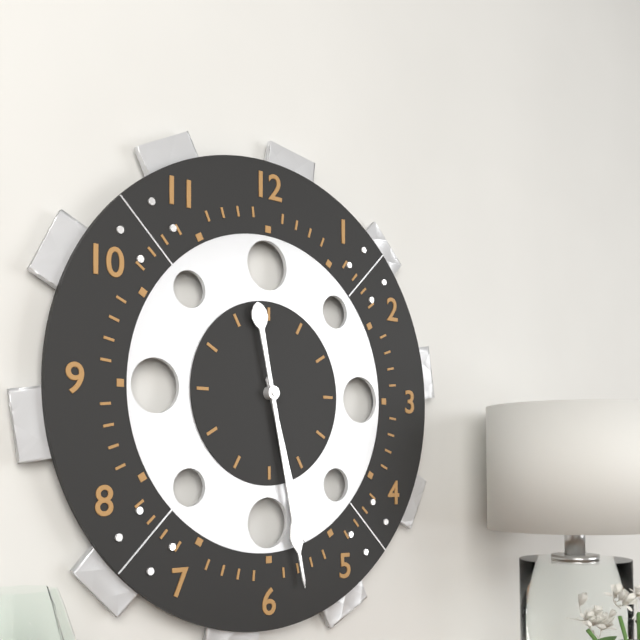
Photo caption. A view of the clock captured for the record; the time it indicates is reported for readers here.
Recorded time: 5:28
